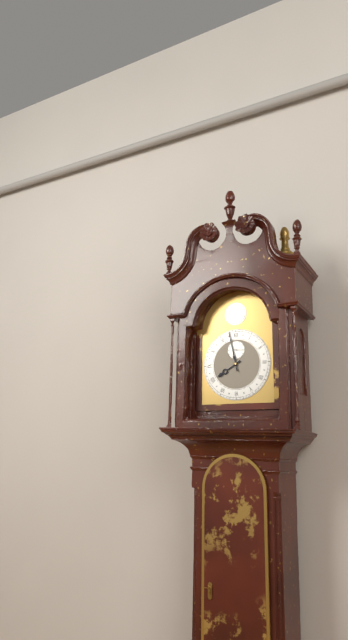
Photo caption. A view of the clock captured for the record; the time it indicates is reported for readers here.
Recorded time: 7:58
